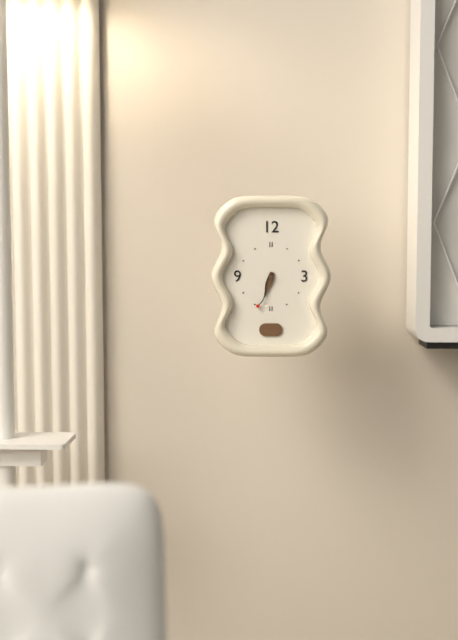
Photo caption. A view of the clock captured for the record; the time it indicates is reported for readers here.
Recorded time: 6:34
